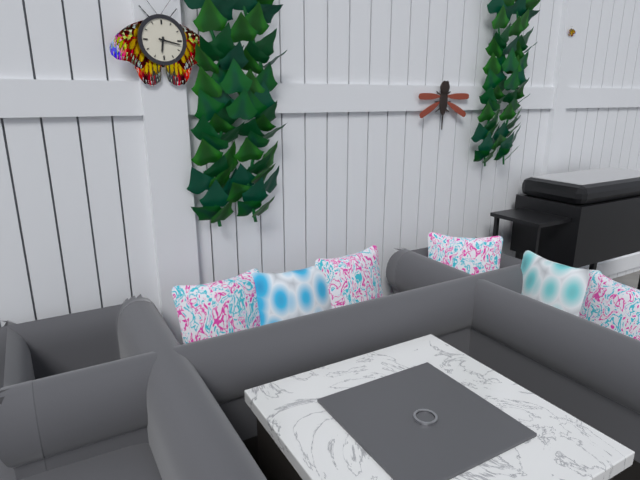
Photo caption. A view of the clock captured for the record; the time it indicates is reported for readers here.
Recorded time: 6:17
